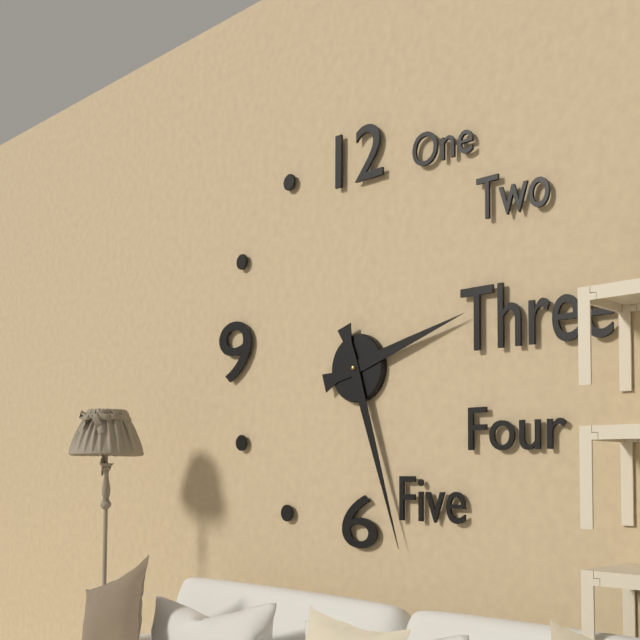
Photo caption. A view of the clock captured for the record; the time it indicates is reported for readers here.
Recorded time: 2:27
